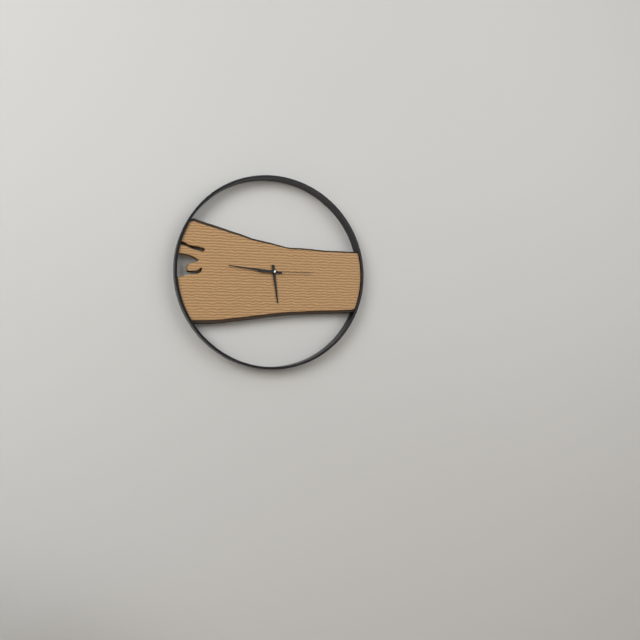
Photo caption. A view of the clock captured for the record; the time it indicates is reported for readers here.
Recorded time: 5:46
